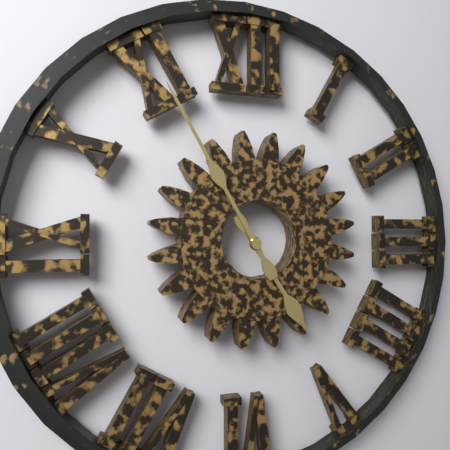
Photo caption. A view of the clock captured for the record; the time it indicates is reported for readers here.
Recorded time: 4:55
